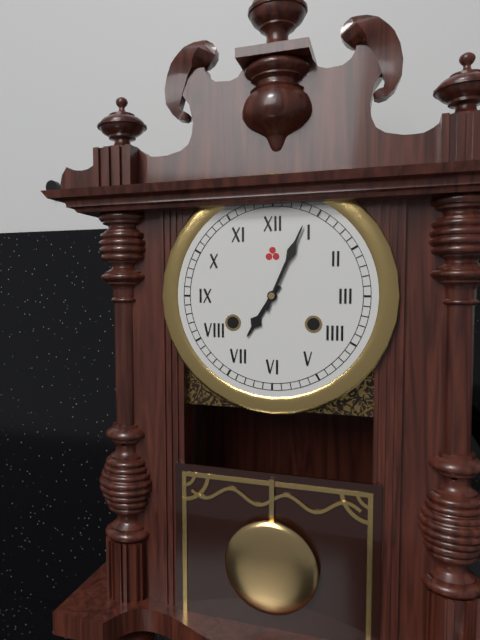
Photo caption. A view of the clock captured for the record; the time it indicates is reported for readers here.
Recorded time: 7:04
